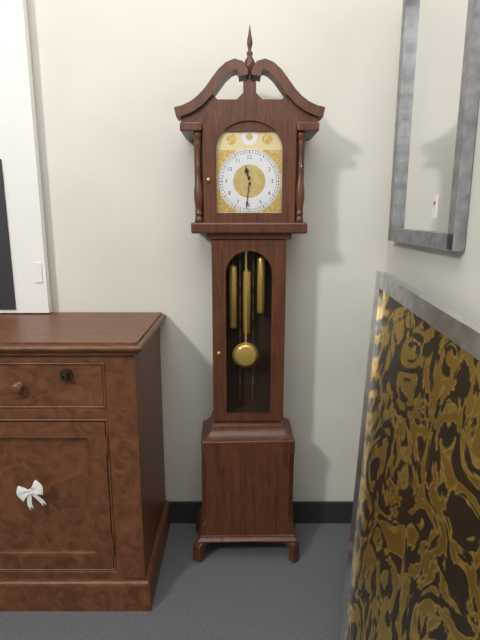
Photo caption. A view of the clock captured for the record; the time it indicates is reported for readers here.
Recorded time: 11:31
